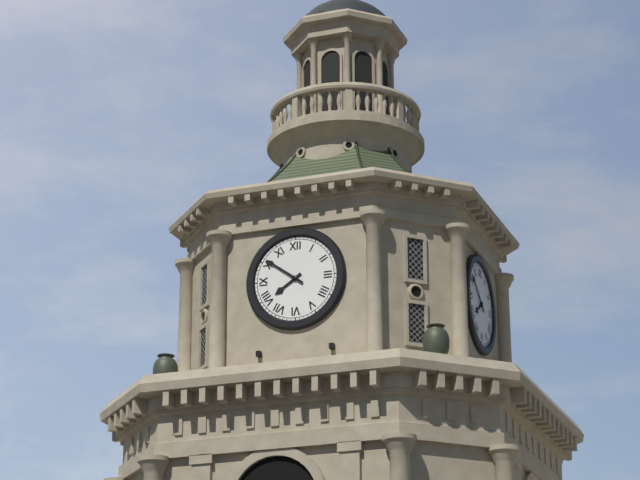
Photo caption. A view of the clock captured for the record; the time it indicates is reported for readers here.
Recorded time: 7:51
